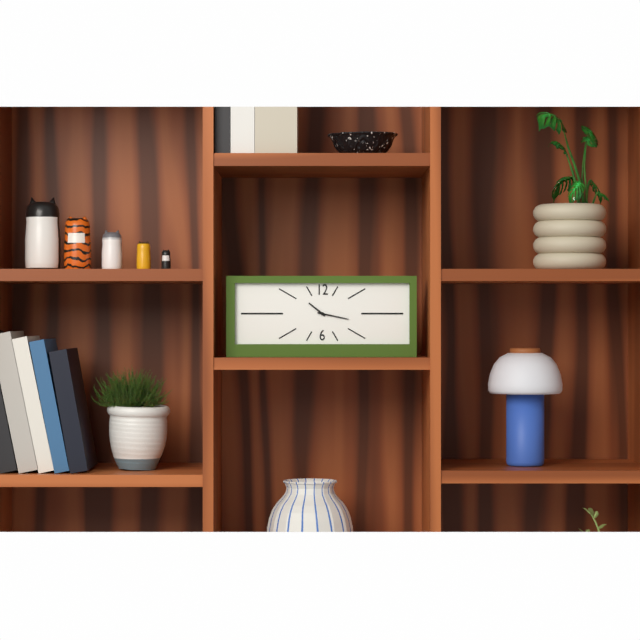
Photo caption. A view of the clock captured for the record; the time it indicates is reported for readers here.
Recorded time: 10:17
